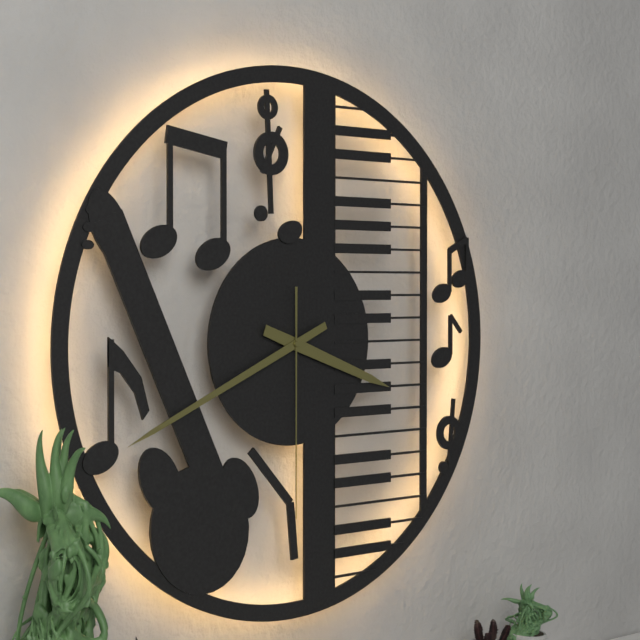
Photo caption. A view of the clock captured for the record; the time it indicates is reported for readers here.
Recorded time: 3:41:30
